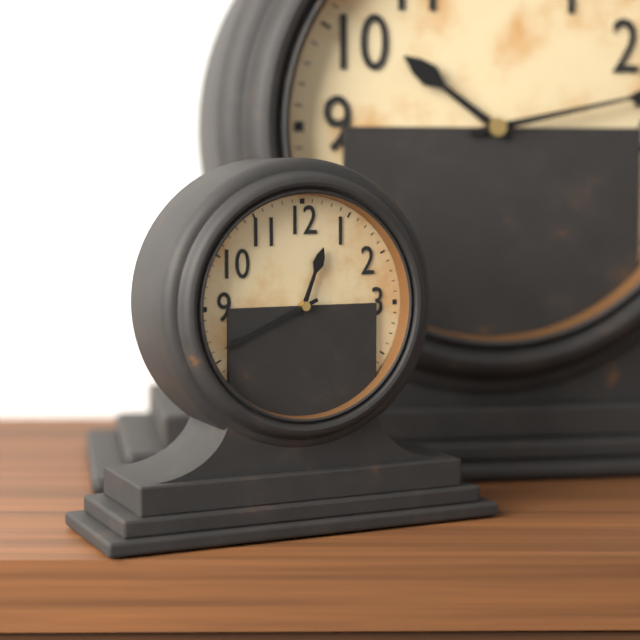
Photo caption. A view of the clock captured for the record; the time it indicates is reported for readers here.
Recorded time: 12:41
